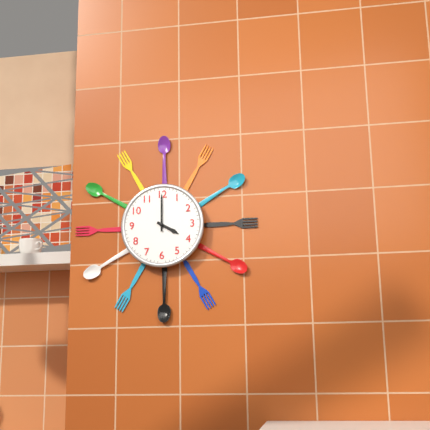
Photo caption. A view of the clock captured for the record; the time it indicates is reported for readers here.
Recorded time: 4:00
